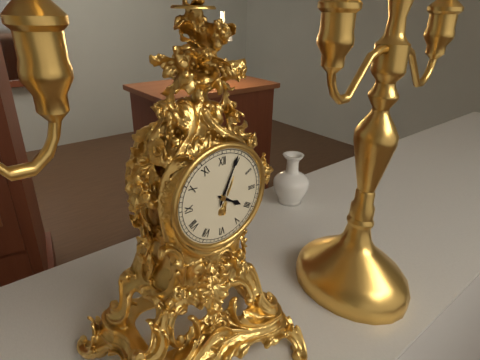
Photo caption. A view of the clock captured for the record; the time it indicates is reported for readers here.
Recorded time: 4:04
